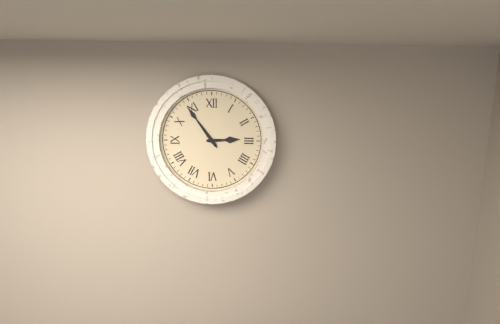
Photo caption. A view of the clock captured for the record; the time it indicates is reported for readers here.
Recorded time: 2:54
